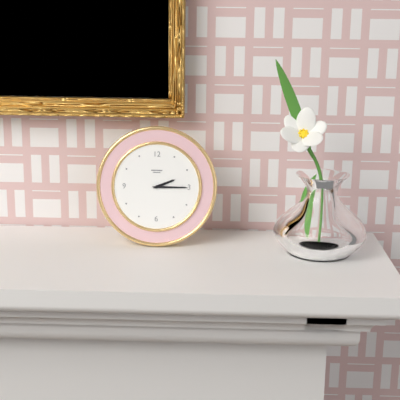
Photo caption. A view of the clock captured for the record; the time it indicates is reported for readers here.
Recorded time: 2:15
